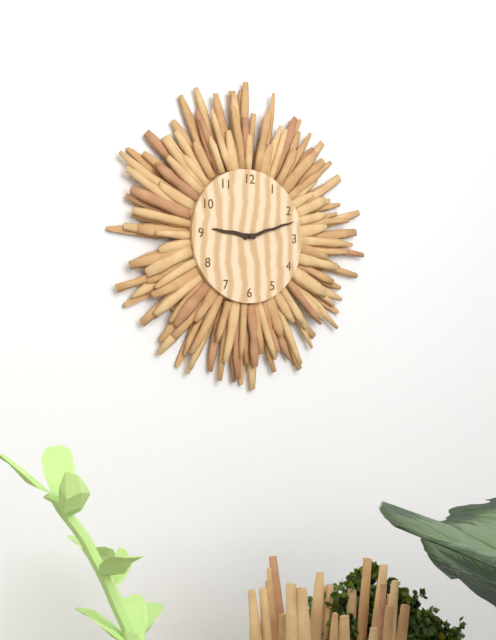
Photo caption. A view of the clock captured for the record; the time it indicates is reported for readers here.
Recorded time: 9:12
